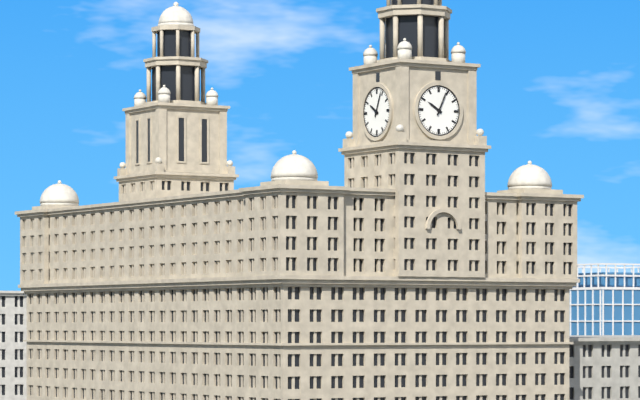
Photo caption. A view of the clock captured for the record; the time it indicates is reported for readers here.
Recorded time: 10:04
